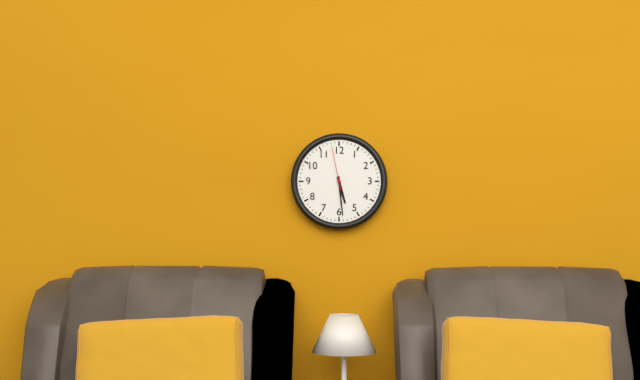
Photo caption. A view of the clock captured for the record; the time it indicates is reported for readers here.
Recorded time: 5:29
